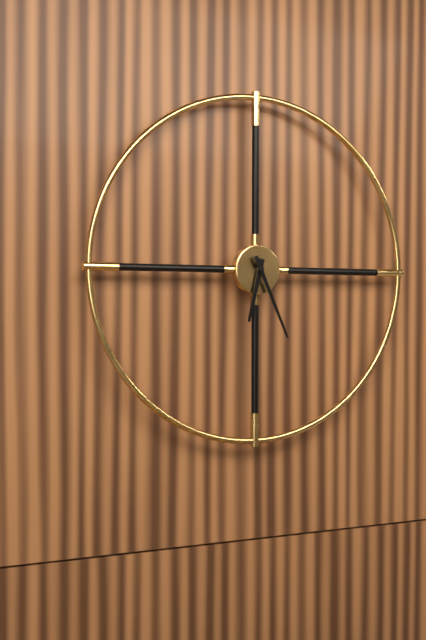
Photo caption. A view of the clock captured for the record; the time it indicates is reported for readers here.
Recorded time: 6:26
